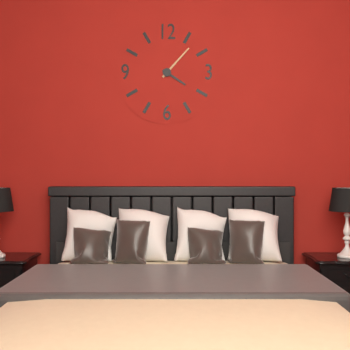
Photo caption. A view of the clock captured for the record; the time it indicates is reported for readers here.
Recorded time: 4:07
